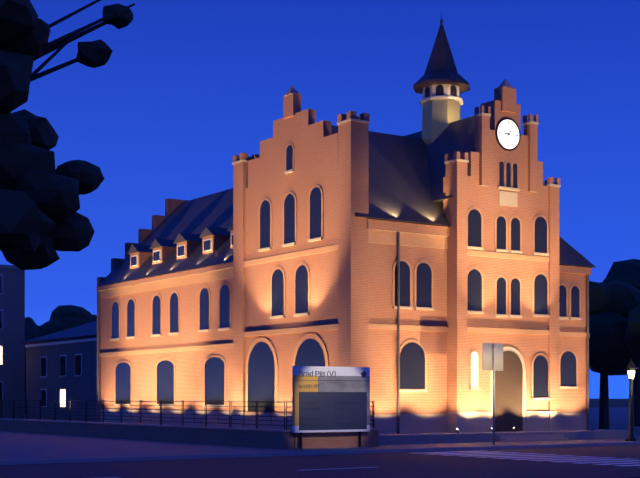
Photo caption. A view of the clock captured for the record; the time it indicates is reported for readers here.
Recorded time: 9:06
